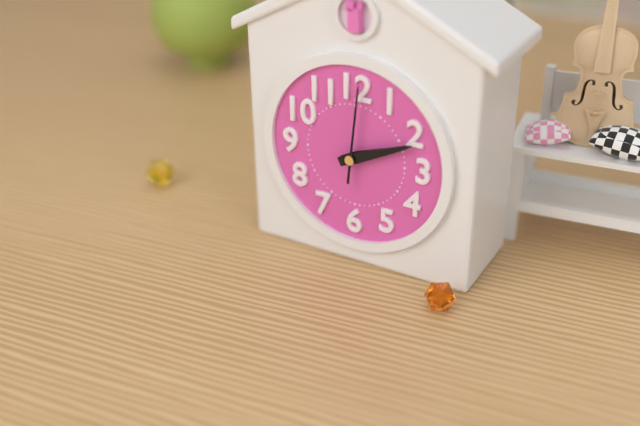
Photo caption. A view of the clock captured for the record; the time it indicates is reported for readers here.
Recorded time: 2:11:01
